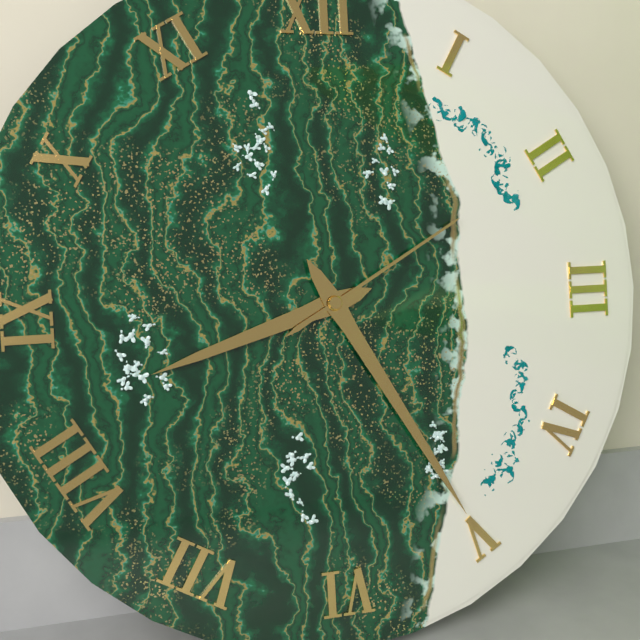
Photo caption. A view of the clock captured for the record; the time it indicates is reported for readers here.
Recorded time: 8:25:10
